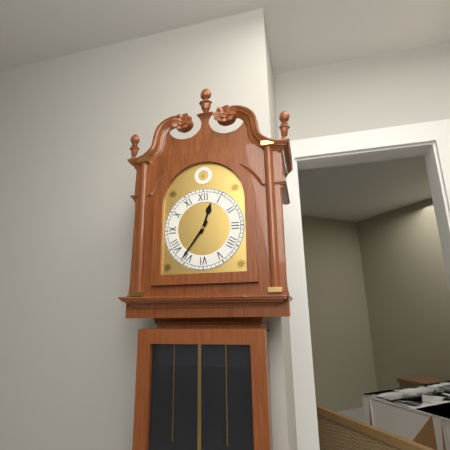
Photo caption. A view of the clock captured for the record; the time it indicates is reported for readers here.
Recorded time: 12:36
